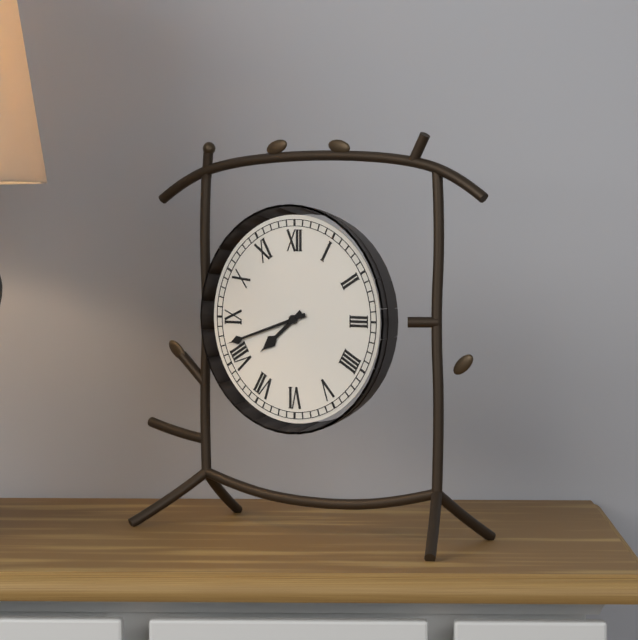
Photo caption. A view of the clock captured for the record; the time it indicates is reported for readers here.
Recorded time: 7:42
